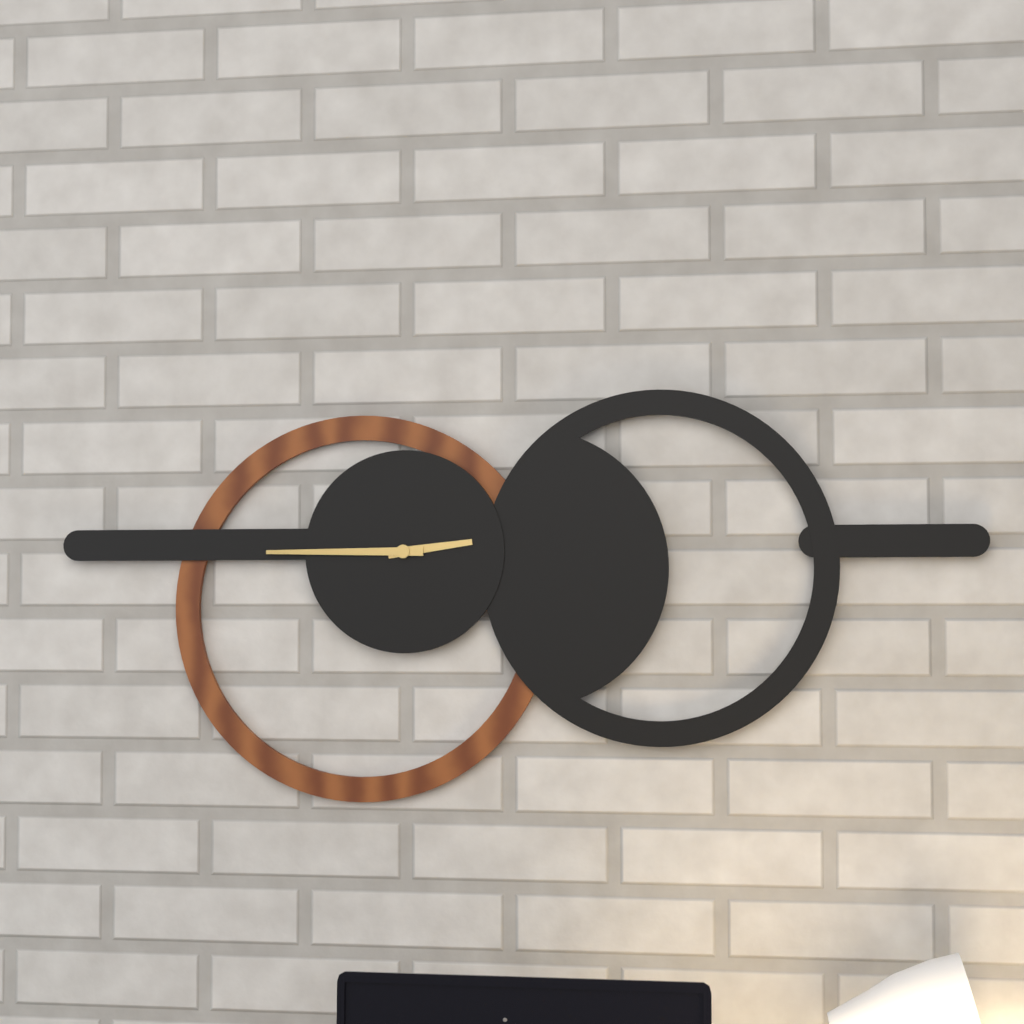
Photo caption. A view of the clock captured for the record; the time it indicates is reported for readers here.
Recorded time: 2:45
